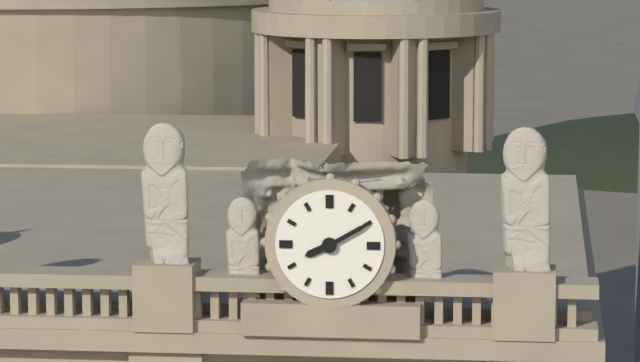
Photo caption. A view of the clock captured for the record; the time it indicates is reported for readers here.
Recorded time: 8:10
